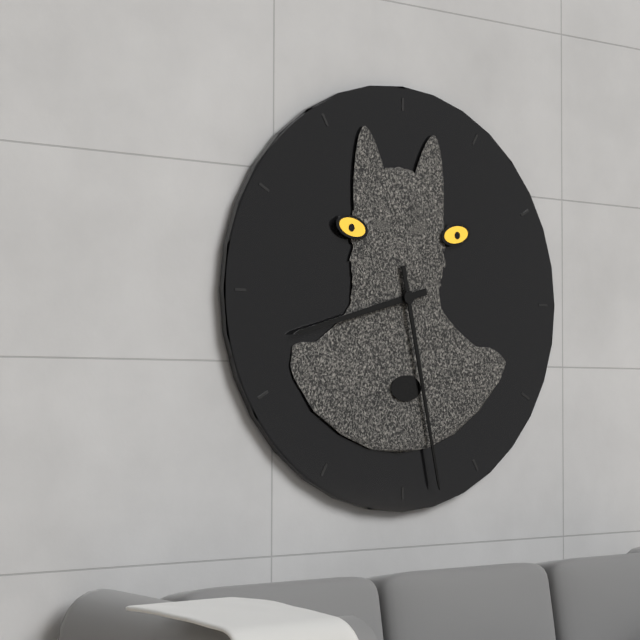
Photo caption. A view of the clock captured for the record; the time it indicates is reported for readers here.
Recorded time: 8:28
